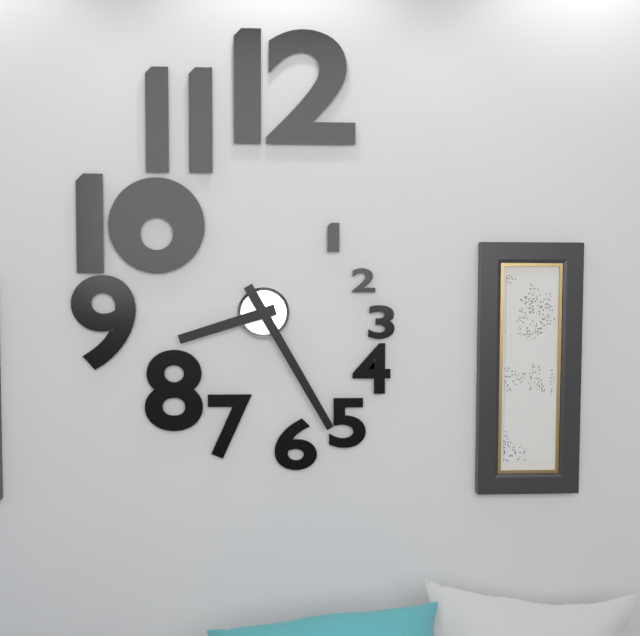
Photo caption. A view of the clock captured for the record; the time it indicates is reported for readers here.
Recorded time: 8:25
